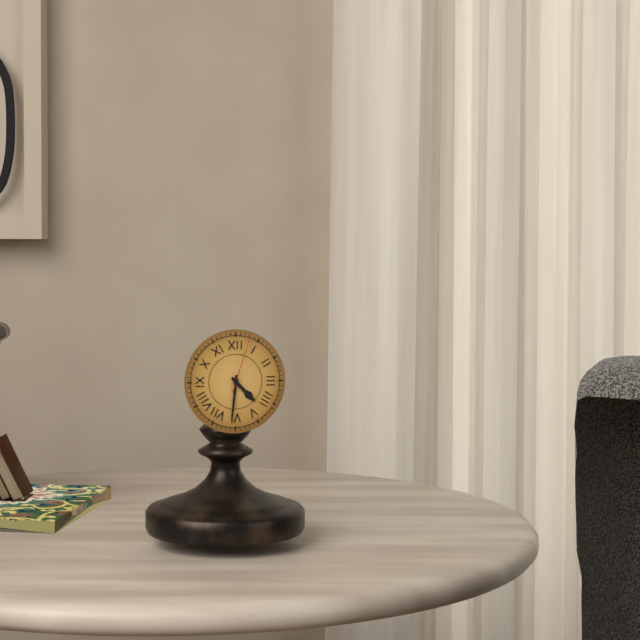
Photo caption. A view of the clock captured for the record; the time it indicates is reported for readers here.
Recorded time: 4:31:03
